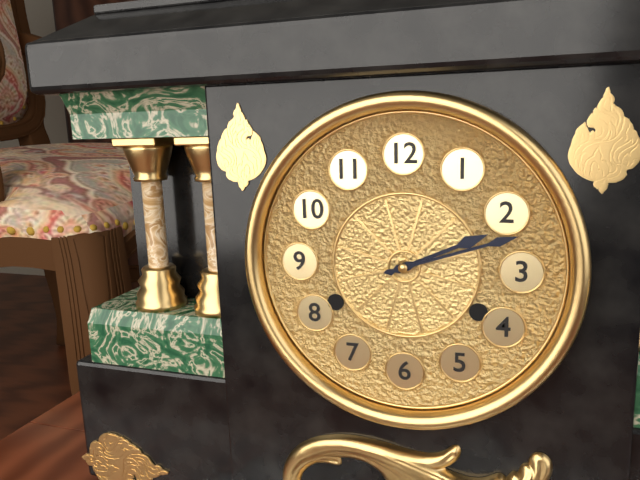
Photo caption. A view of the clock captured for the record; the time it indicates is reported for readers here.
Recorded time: 2:12
